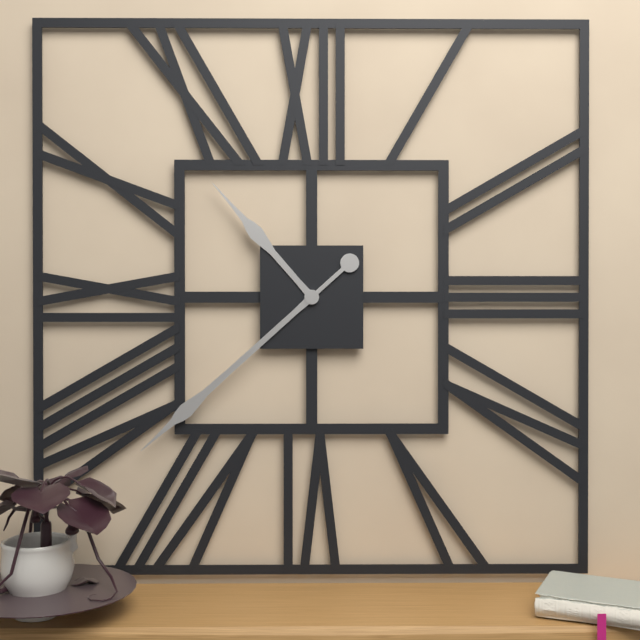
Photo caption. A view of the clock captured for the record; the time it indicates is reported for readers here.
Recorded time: 10:38
